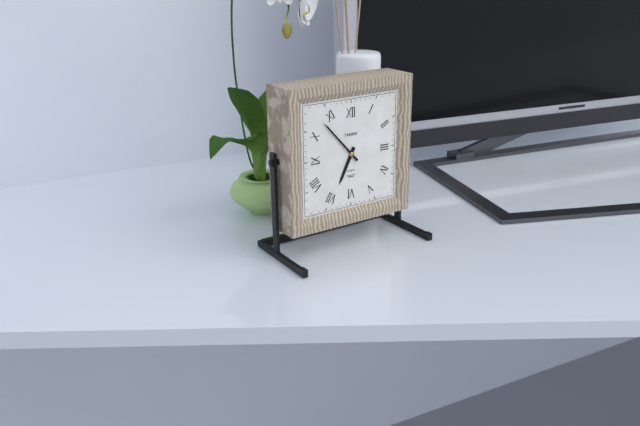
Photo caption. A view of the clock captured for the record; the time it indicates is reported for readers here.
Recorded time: 6:53
